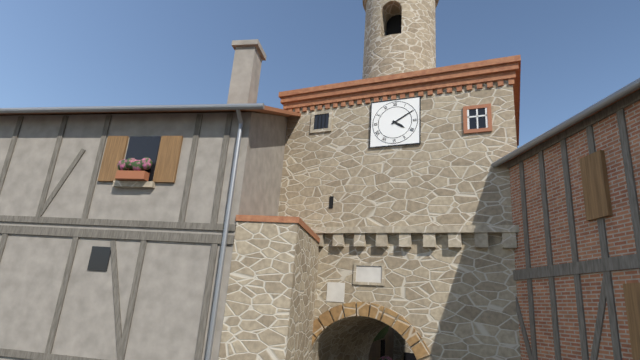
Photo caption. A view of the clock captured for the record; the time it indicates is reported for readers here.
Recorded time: 4:10
